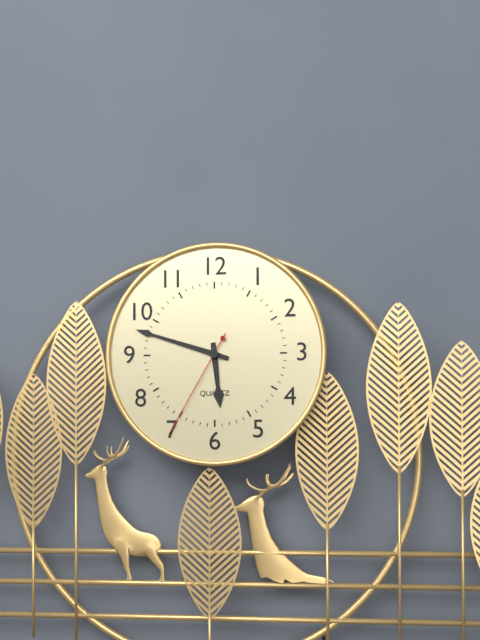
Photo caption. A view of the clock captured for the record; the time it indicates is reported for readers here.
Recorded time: 5:48:35
